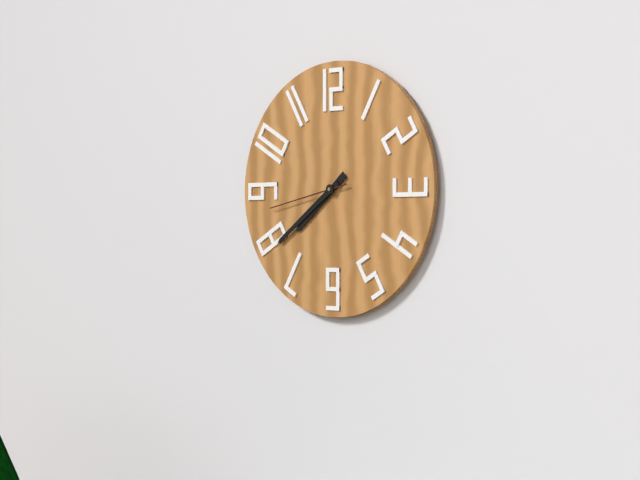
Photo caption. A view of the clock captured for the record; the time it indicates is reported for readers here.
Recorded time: 7:39:43
